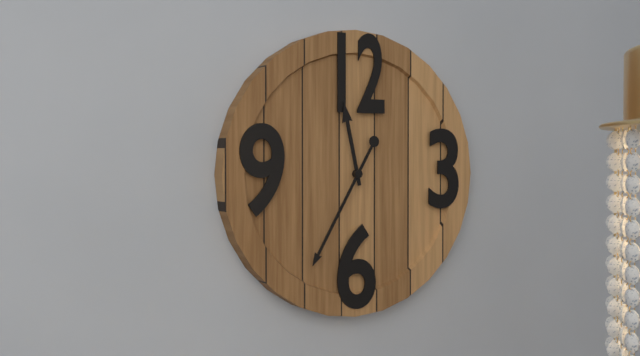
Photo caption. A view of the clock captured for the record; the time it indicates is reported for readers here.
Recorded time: 11:35
